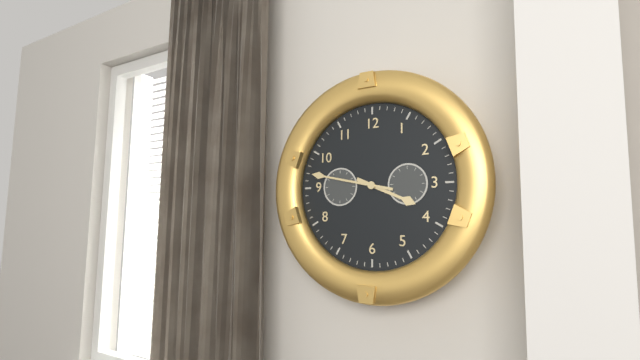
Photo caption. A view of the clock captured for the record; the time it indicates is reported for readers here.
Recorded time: 3:47
